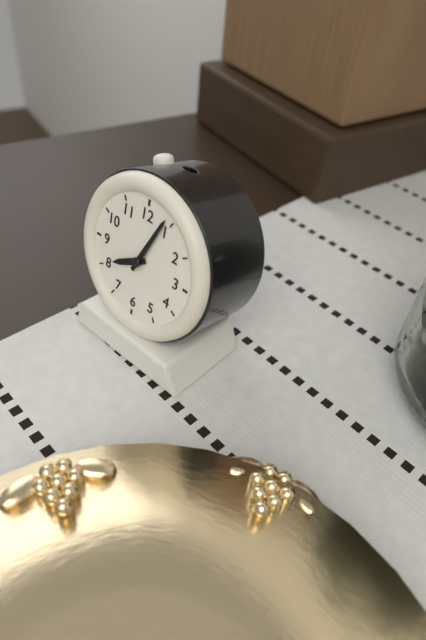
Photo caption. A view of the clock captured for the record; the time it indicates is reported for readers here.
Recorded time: 8:04
